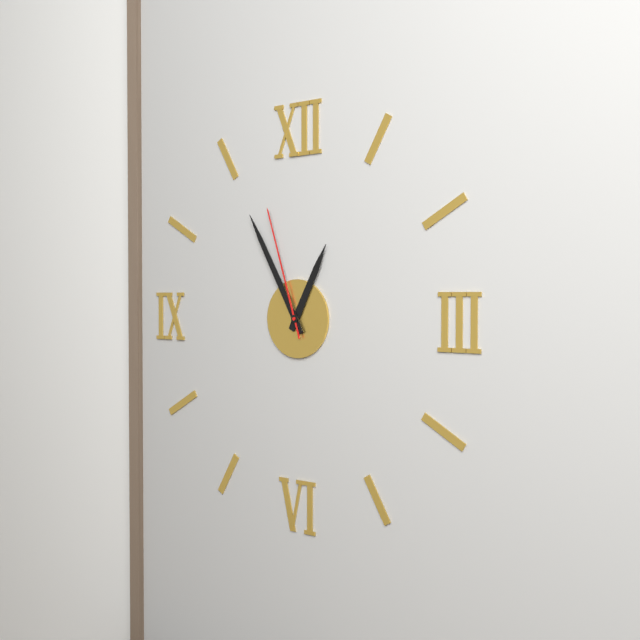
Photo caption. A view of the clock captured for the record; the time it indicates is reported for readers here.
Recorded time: 12:55:57
